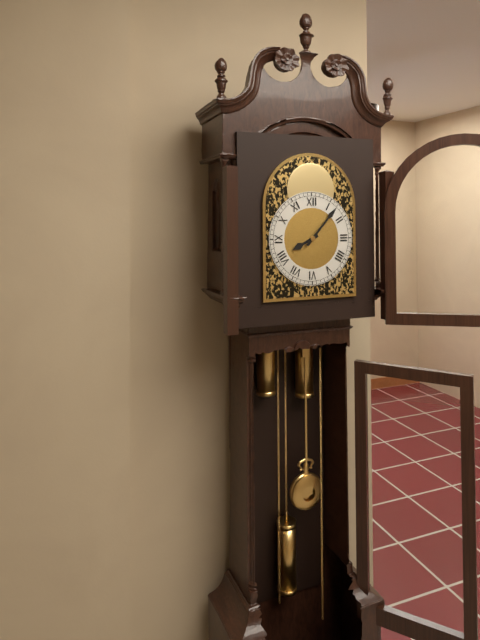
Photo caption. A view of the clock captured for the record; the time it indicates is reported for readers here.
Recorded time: 8:07
